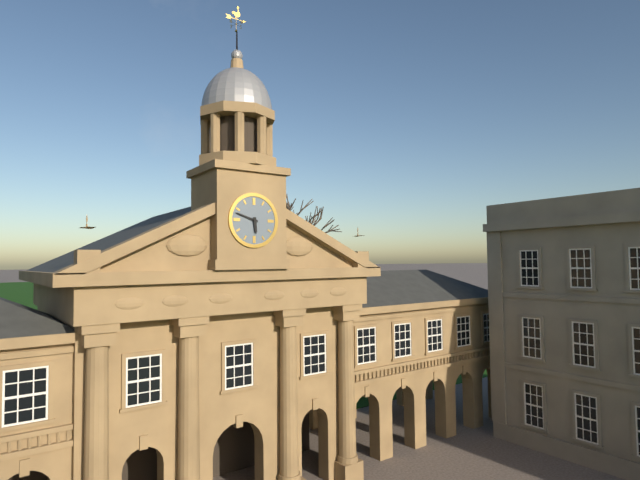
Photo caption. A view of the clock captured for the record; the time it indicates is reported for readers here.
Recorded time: 5:48
